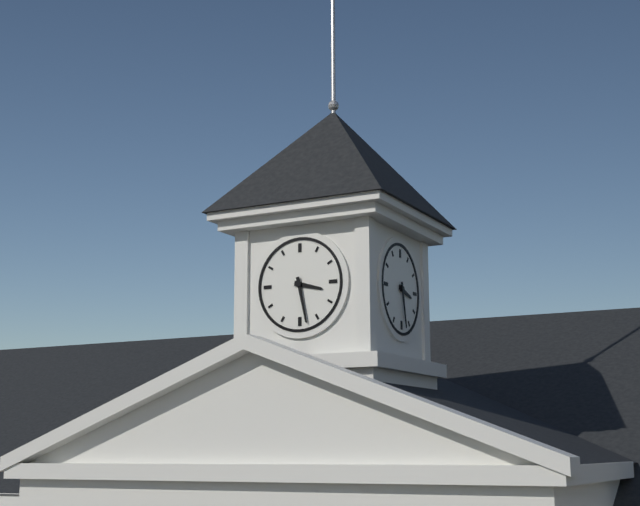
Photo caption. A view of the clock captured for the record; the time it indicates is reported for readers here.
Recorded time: 3:28
